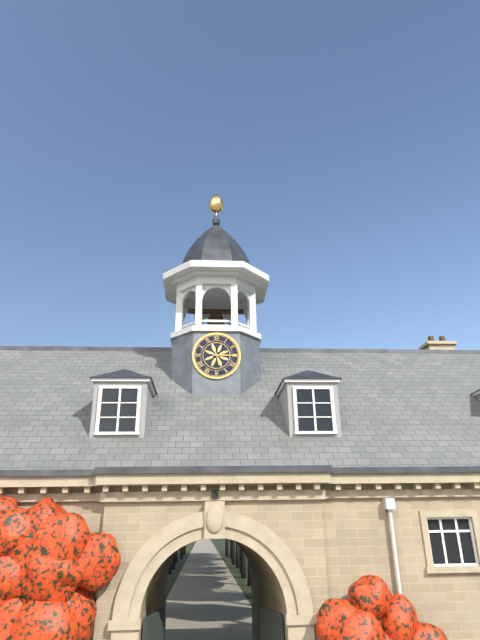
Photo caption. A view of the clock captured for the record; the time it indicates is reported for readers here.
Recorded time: 5:15
